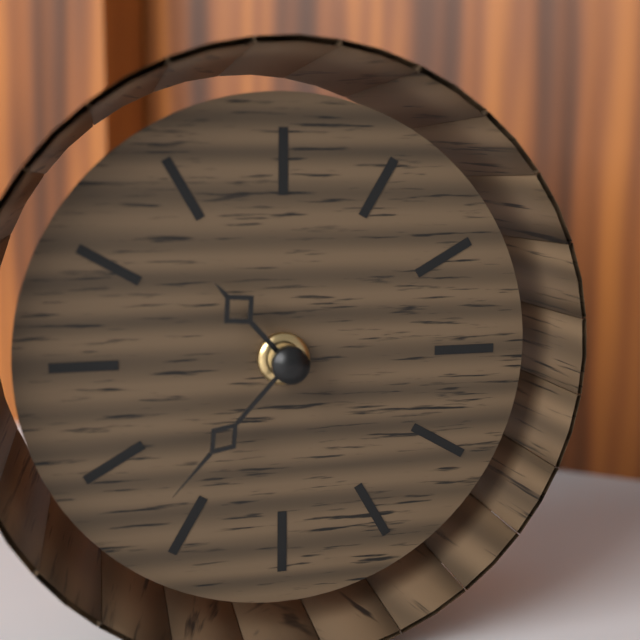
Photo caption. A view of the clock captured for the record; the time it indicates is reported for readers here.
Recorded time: 10:37
